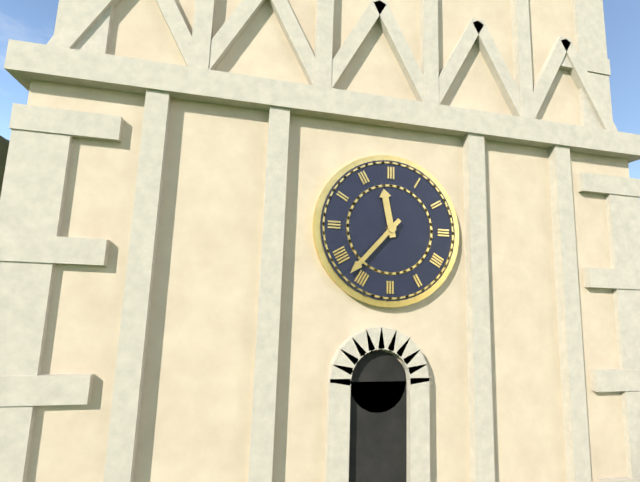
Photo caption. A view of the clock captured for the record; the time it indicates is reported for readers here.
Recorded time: 11:37
